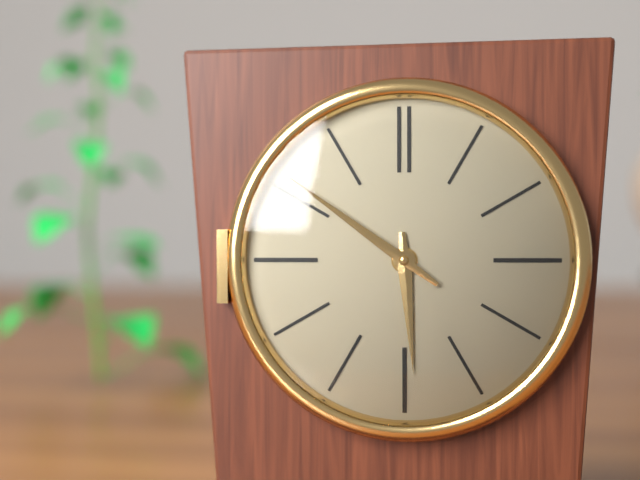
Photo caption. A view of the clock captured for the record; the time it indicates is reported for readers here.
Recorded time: 5:51
